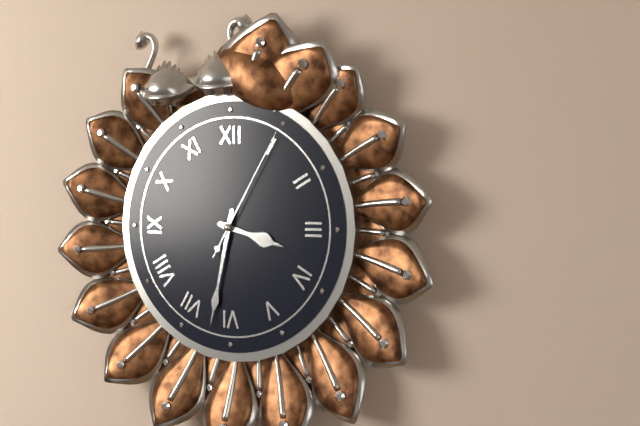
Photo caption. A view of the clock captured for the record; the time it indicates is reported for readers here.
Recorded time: 3:32:05
